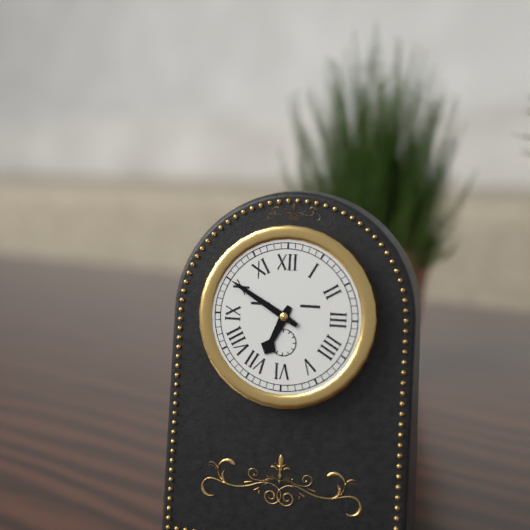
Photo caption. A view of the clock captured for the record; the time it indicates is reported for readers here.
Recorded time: 6:50
